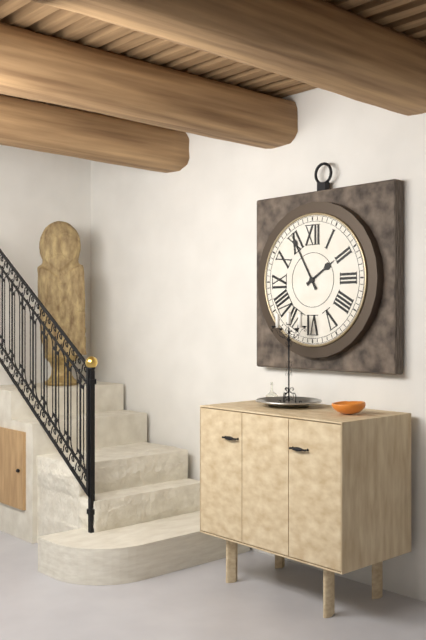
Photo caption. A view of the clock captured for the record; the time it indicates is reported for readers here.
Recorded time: 1:55
